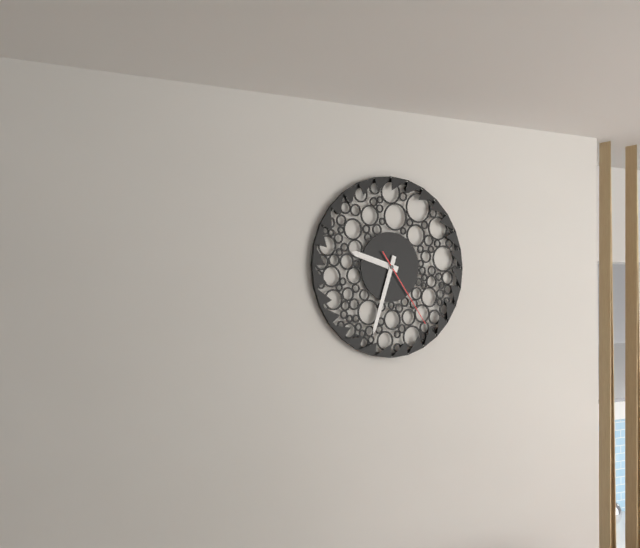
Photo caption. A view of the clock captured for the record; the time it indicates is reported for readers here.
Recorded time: 9:33:24
